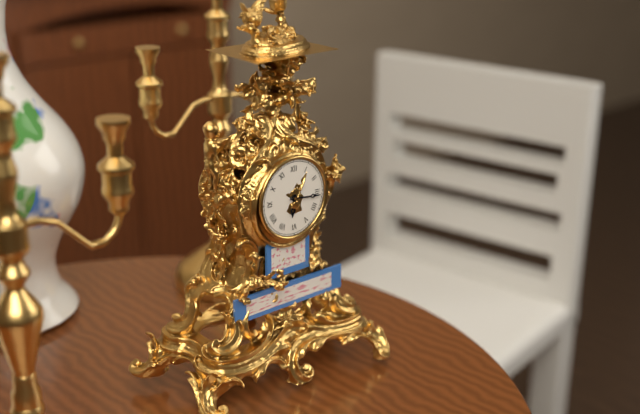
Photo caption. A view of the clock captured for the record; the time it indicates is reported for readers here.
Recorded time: 6:16
